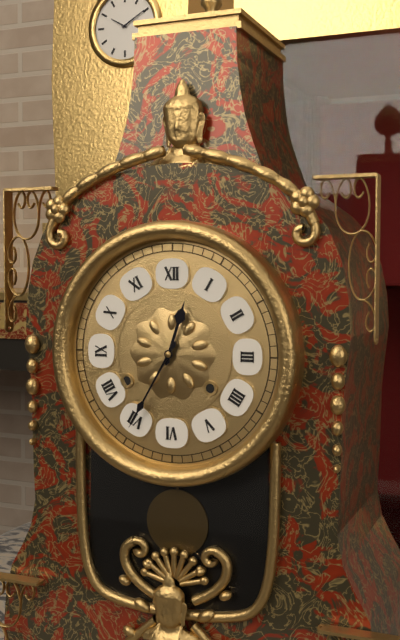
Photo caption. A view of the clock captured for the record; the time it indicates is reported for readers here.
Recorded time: 12:35
